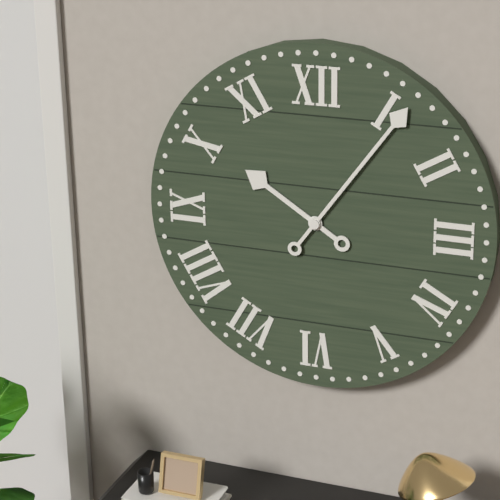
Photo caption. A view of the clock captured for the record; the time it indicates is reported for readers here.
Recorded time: 10:06
